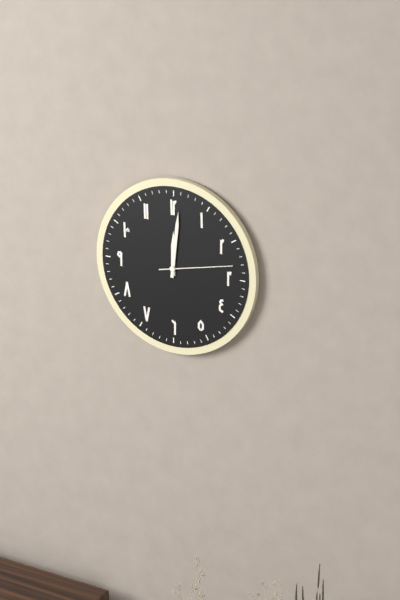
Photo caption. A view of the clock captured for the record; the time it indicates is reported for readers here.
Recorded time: 12:01:13
